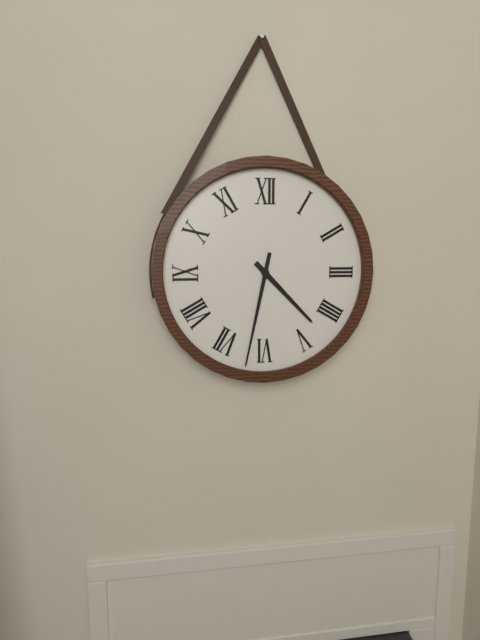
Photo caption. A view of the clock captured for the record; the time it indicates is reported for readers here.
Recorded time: 4:32
